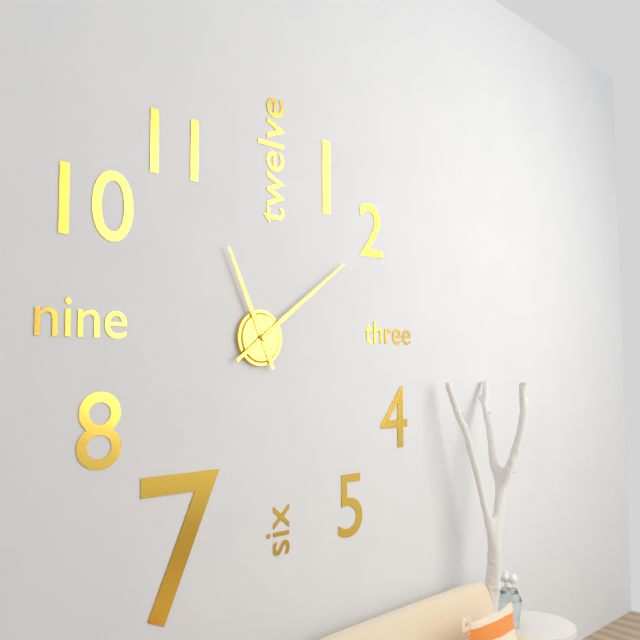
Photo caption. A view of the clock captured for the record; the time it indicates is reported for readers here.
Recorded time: 11:09
